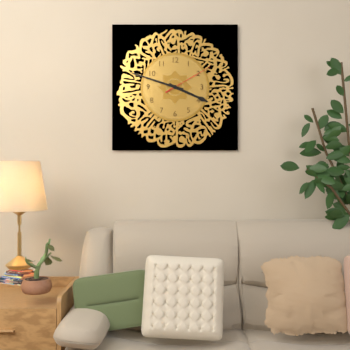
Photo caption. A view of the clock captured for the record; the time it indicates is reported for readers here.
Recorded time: 3:48:10
